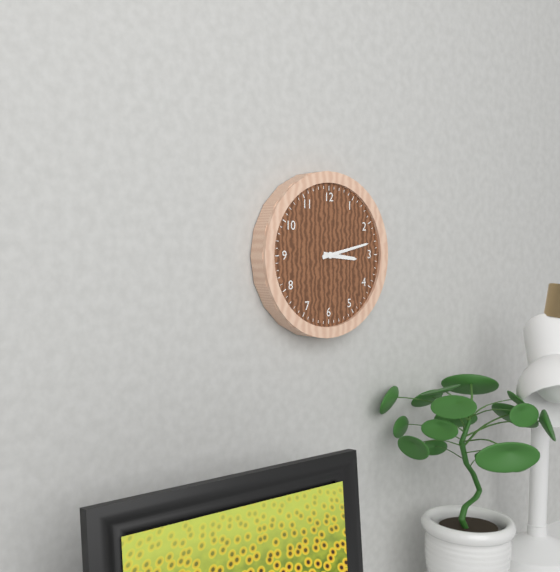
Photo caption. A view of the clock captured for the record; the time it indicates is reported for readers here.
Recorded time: 3:13
